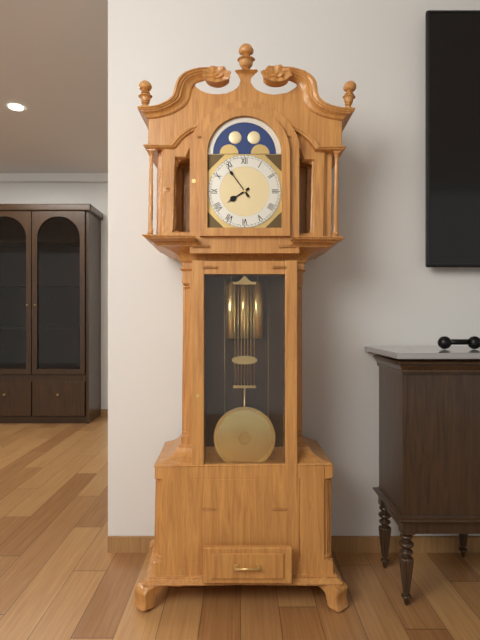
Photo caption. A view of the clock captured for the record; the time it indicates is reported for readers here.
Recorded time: 7:54
